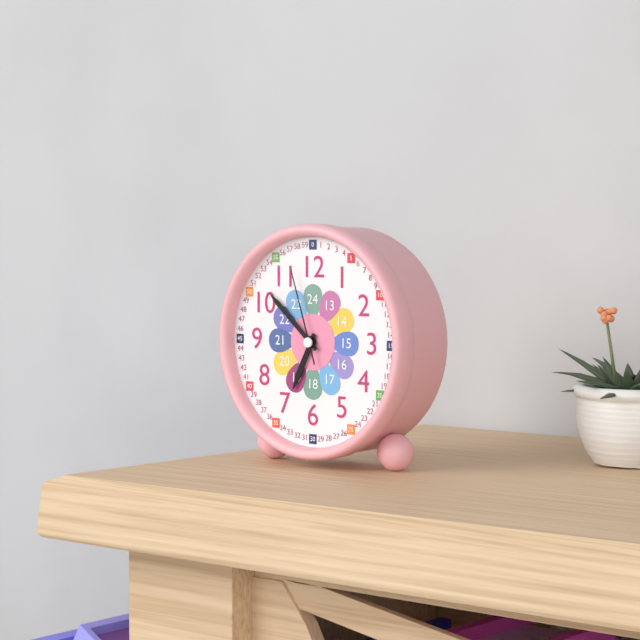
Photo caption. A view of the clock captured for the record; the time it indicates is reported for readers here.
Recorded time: 6:52:57
